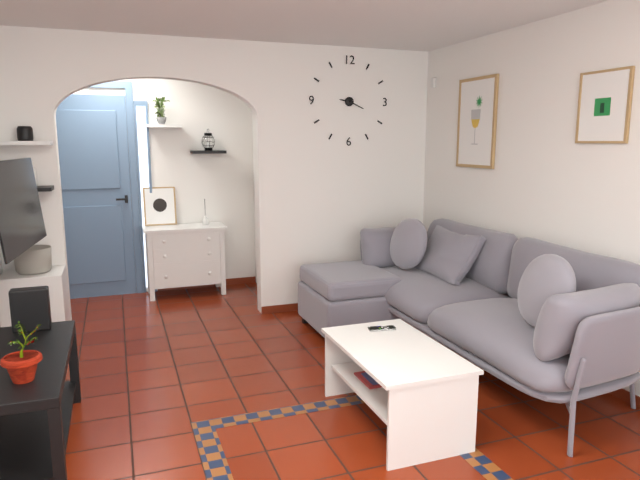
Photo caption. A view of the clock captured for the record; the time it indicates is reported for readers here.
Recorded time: 9:19
